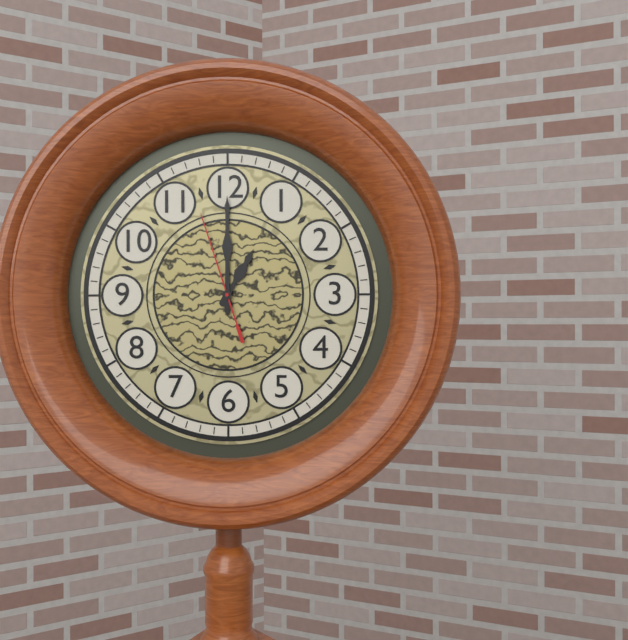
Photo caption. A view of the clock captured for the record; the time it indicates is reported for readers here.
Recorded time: 1:00:57
